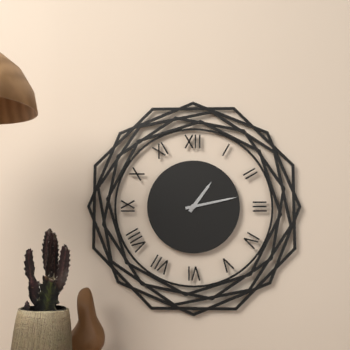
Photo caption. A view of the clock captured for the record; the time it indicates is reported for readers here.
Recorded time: 1:13
